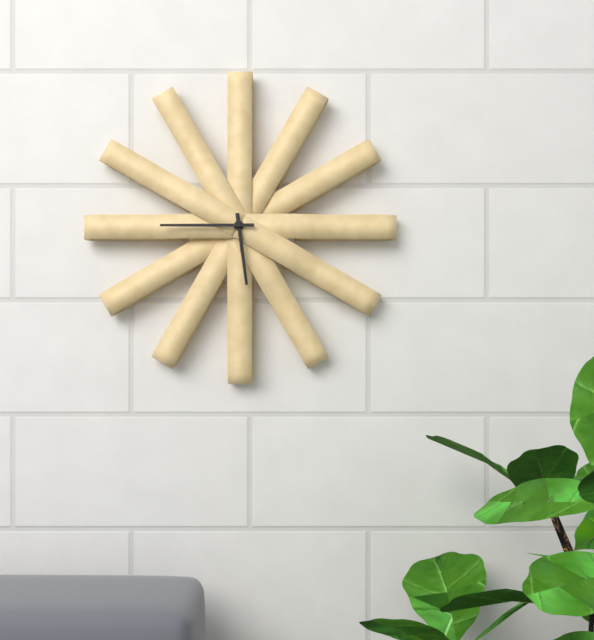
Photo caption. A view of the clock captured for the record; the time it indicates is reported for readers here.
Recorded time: 5:45
